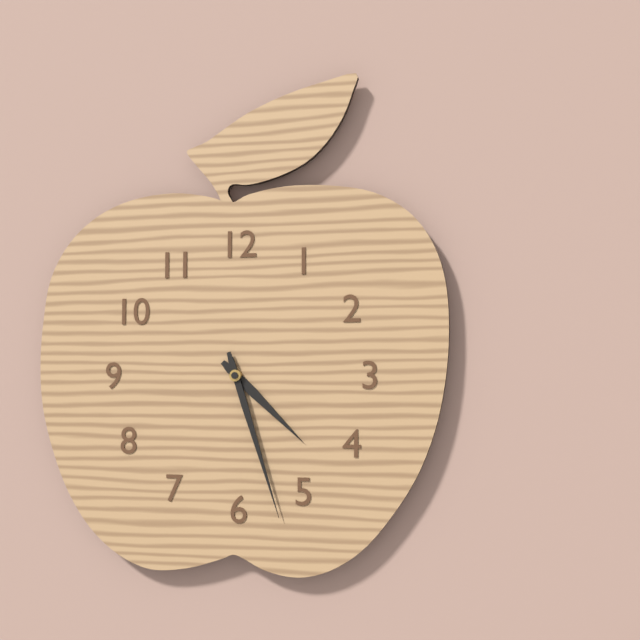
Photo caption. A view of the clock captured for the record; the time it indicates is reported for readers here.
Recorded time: 4:27
